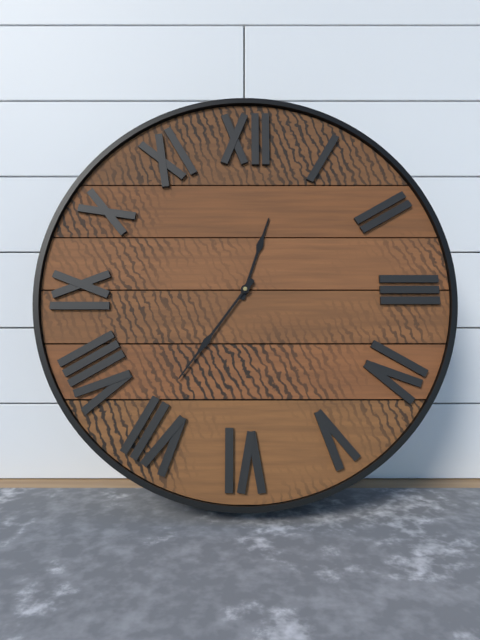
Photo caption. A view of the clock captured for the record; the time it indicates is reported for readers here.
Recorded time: 12:36
